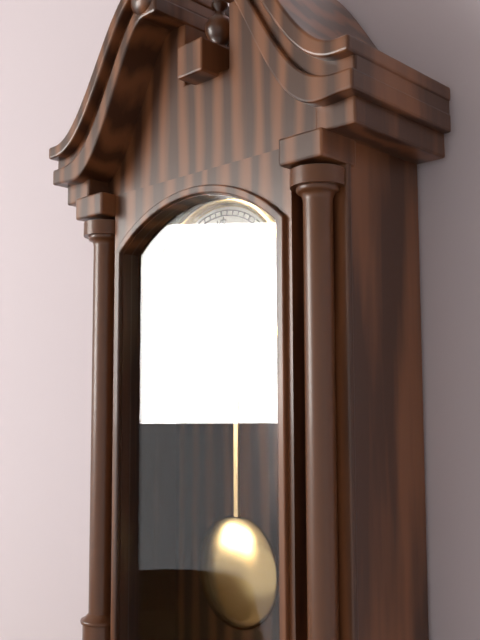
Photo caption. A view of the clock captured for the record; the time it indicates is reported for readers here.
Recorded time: 7:01
